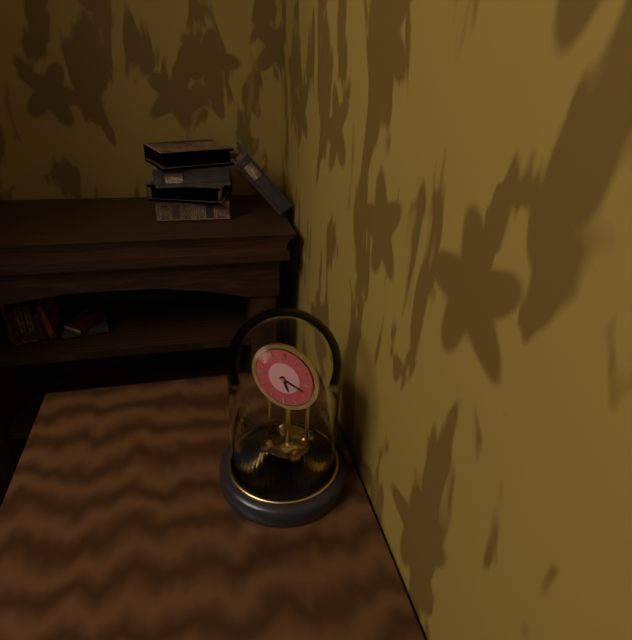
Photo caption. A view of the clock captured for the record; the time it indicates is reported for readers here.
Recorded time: 5:18
